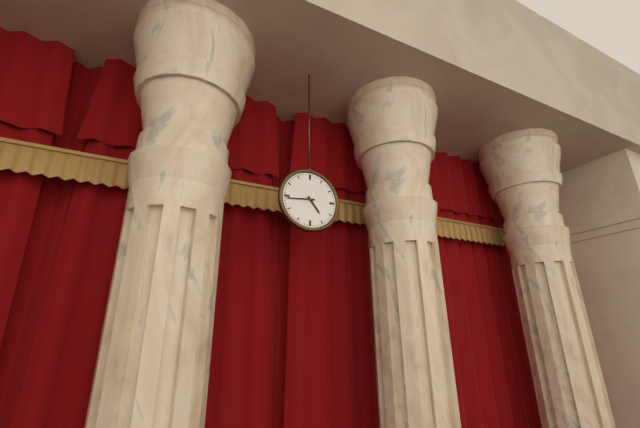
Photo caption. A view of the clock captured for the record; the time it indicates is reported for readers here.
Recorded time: 4:44
